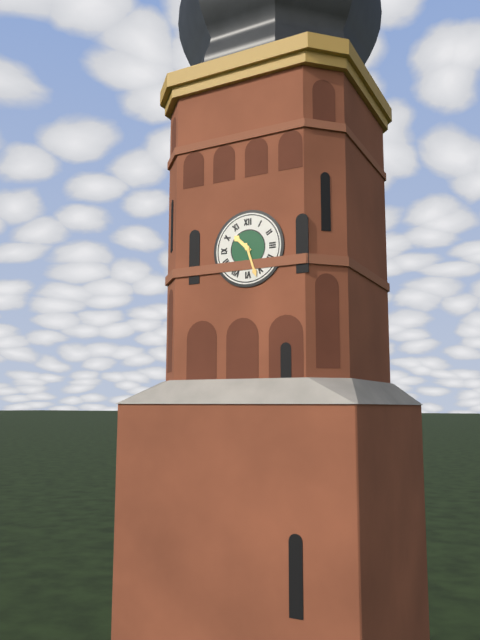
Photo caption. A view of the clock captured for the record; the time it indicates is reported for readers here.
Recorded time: 10:27
